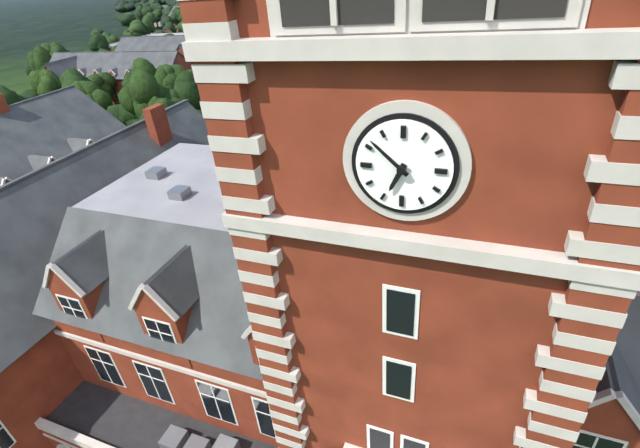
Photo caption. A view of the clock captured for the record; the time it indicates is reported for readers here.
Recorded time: 6:52
